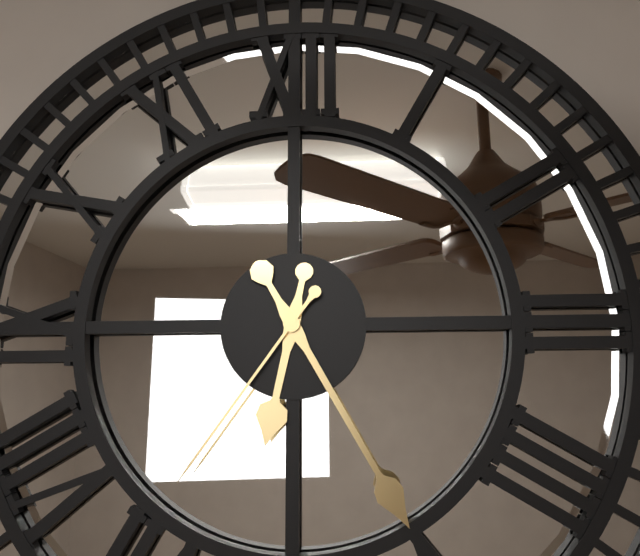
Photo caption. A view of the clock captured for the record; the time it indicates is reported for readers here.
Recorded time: 6:25:36
